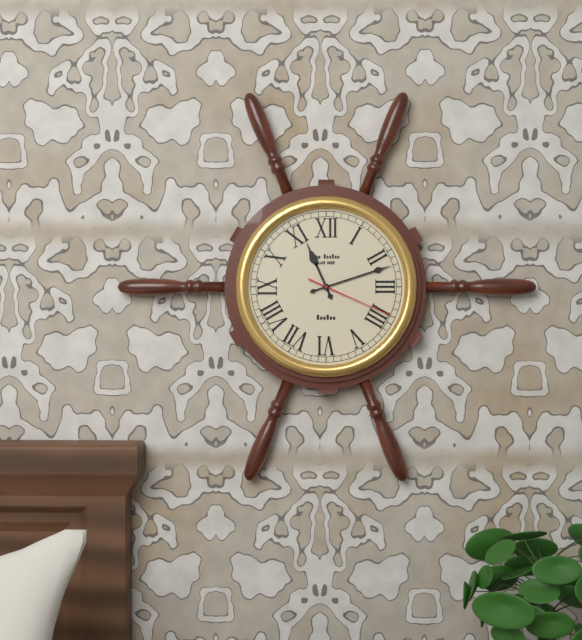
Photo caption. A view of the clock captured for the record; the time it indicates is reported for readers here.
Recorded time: 11:12:19
